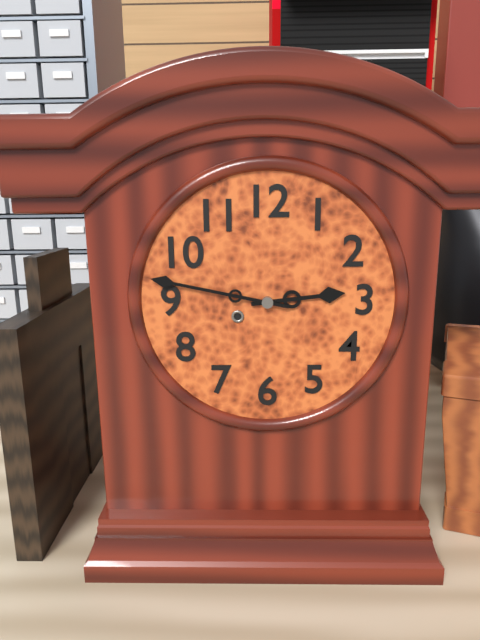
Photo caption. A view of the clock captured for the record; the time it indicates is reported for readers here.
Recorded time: 2:47
